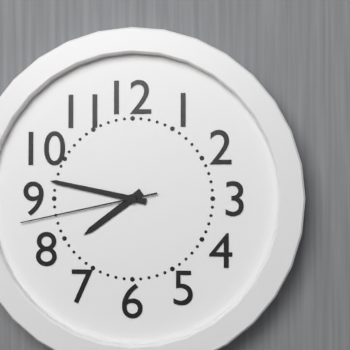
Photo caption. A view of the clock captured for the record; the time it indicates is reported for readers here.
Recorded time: 7:47:43
